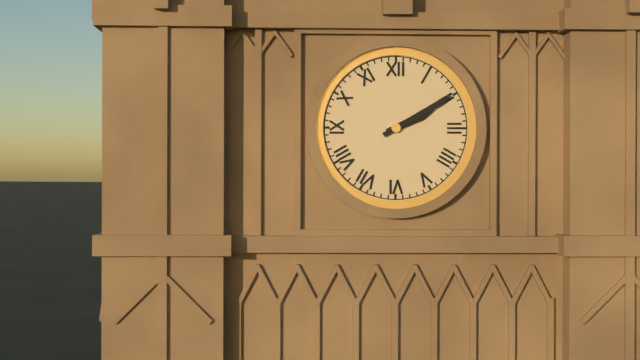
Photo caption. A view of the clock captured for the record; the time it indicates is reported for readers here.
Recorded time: 2:10
